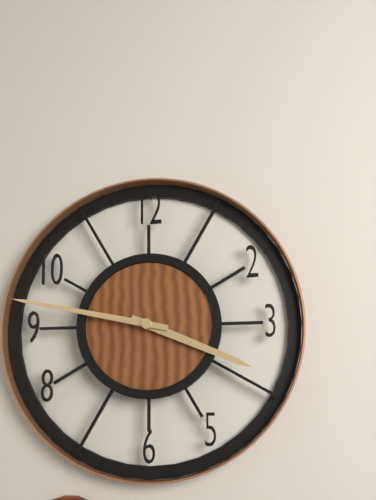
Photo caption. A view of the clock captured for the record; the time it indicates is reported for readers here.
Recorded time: 3:47
